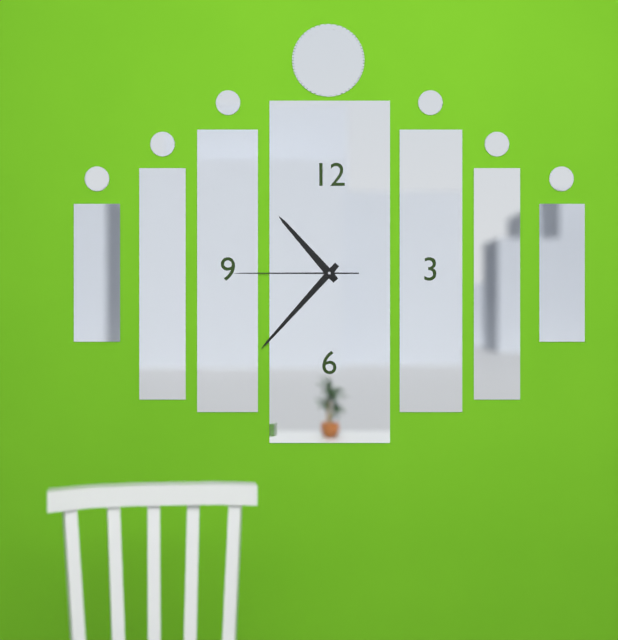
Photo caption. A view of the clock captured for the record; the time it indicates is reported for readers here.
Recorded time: 10:37:45
